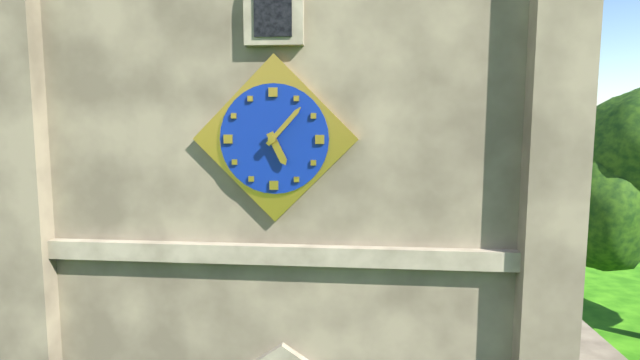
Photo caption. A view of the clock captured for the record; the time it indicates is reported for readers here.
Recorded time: 5:07
